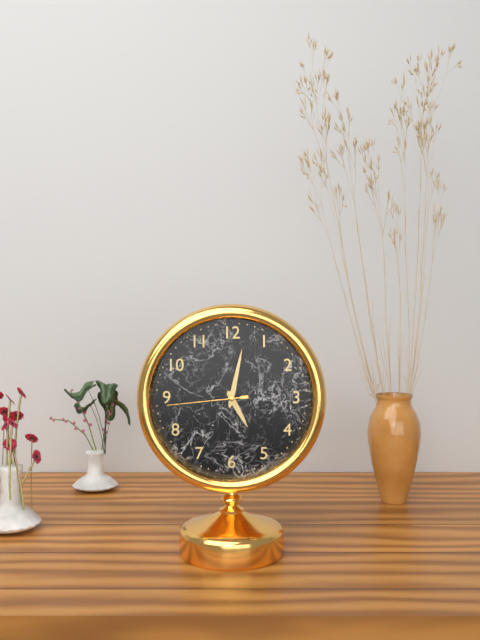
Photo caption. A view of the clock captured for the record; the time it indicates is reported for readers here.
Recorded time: 5:02:44
